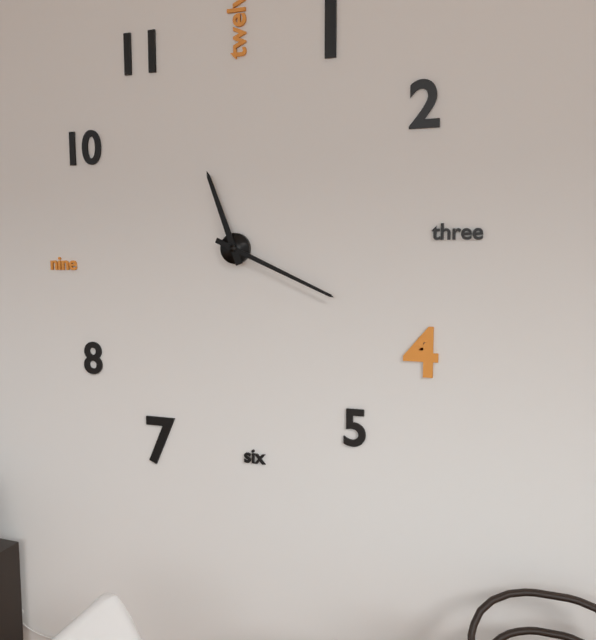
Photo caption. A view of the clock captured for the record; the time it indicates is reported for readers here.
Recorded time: 11:19
